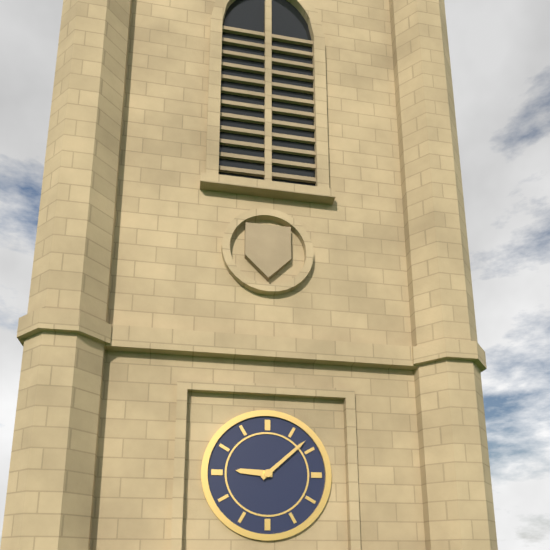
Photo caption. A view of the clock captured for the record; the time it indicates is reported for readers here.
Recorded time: 9:08
